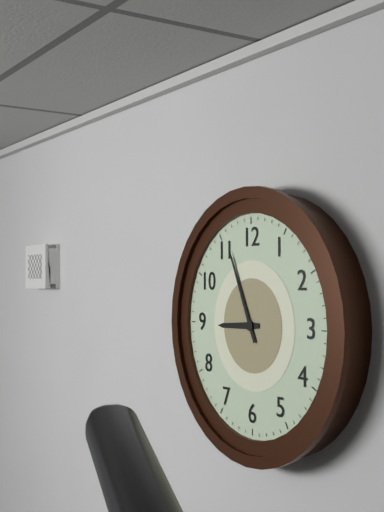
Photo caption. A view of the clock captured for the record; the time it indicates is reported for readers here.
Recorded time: 8:56
